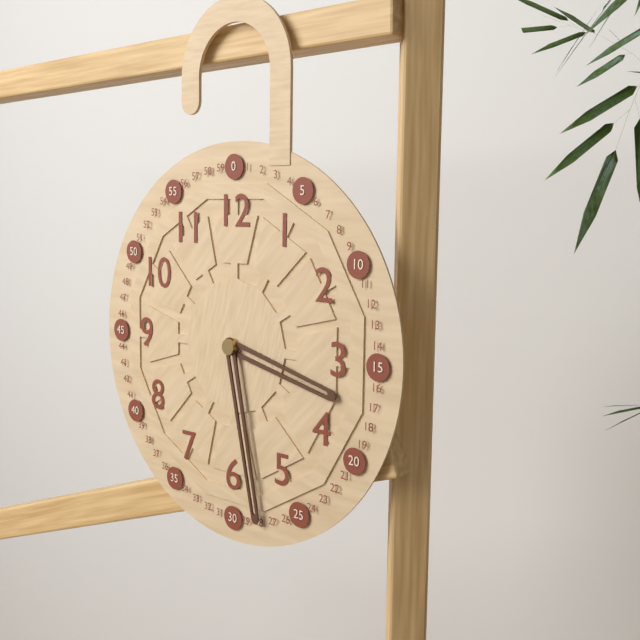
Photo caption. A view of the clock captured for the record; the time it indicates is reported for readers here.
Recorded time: 3:28
